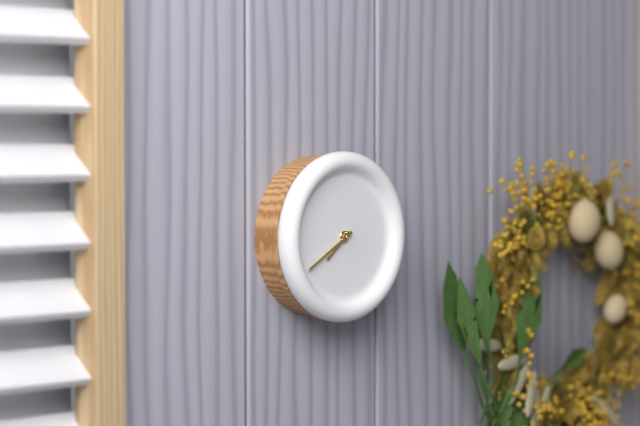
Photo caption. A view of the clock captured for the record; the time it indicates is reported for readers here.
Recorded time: 7:40
